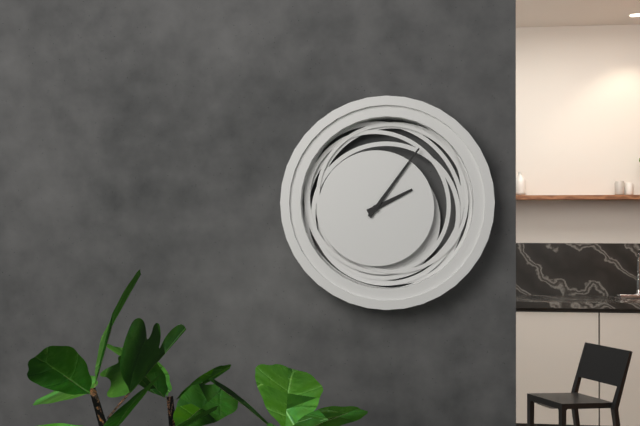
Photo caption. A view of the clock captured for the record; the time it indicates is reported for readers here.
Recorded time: 2:06
